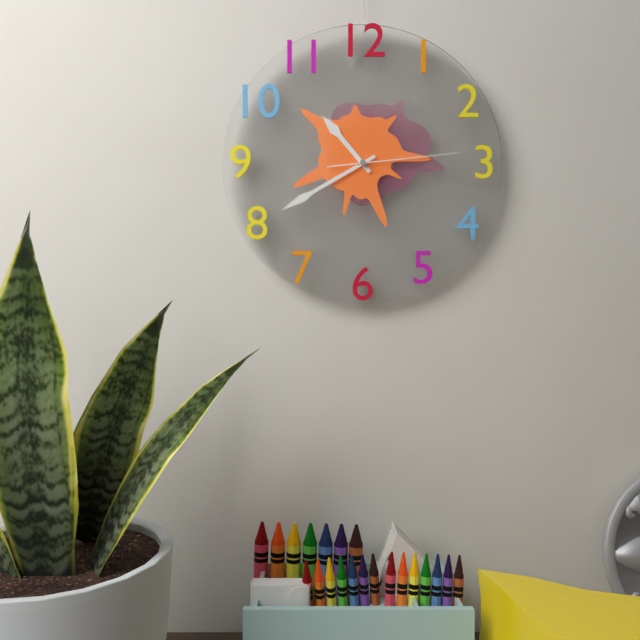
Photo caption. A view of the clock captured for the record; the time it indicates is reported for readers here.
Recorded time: 10:40:14
